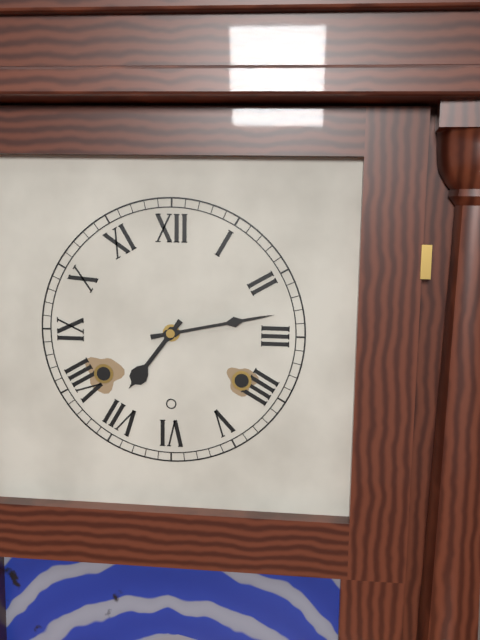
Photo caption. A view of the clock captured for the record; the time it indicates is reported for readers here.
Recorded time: 7:13
